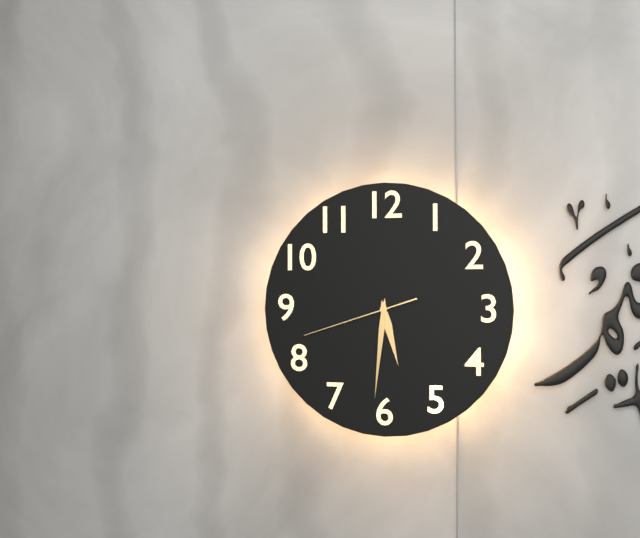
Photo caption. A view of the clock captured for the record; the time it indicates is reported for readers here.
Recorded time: 5:31:42
